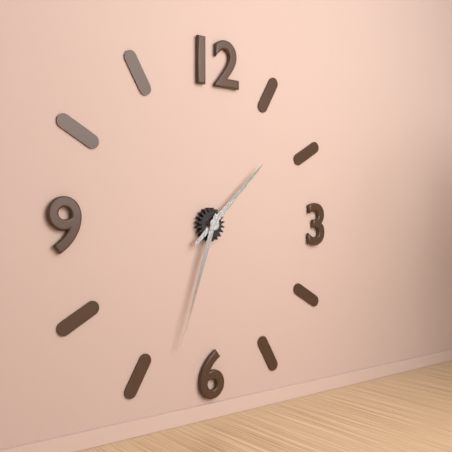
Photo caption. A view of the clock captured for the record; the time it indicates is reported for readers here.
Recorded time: 1:33
